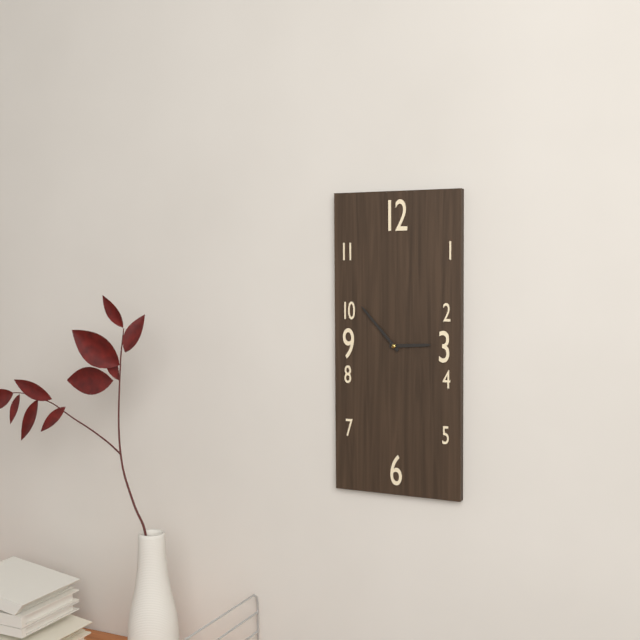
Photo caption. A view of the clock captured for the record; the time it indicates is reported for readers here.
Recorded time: 2:53
